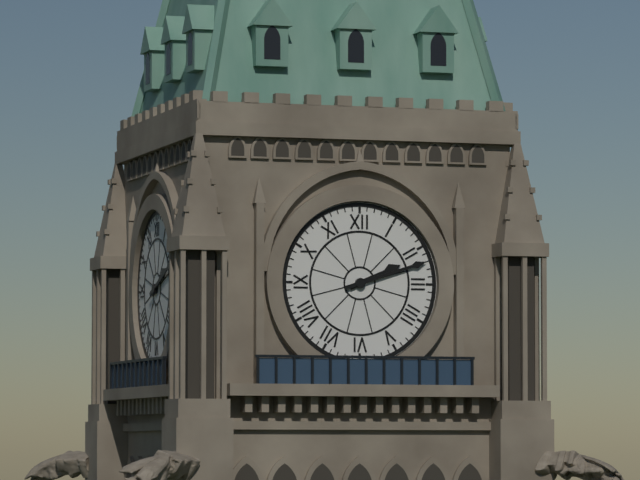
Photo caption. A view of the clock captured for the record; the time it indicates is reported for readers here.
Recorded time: 2:12
